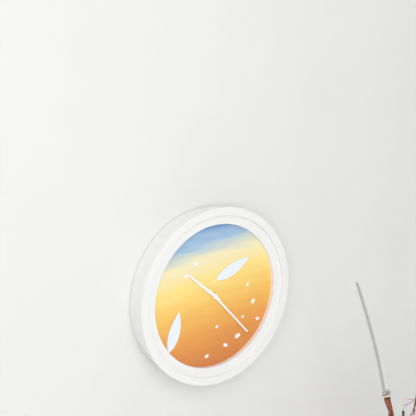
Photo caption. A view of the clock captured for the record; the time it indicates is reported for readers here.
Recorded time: 10:23
